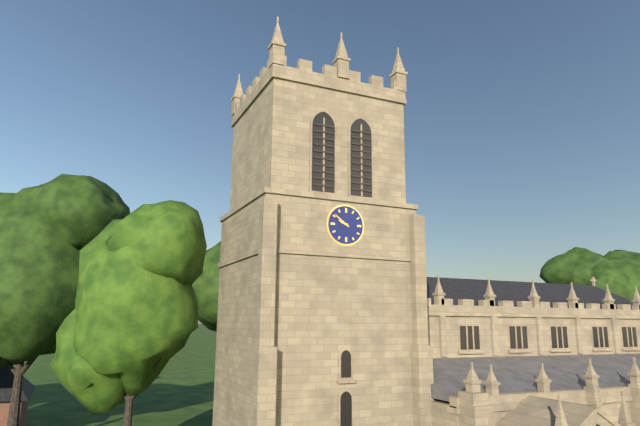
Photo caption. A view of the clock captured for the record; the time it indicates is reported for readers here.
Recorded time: 9:51
